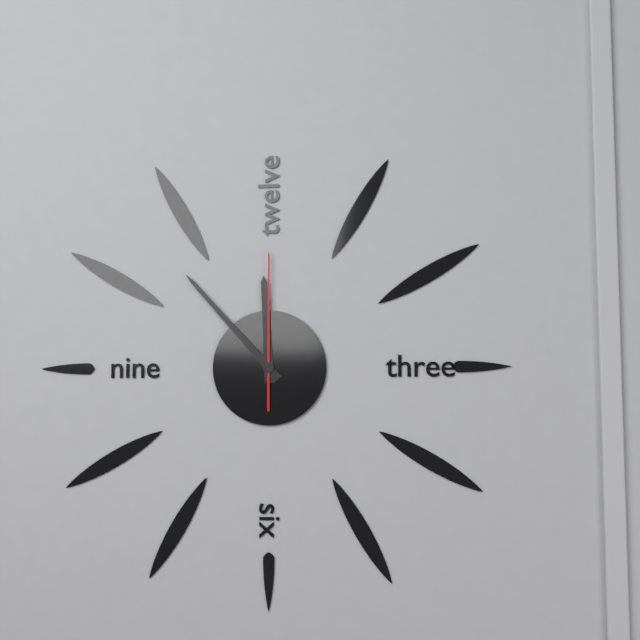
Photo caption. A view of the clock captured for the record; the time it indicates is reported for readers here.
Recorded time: 11:53:00
